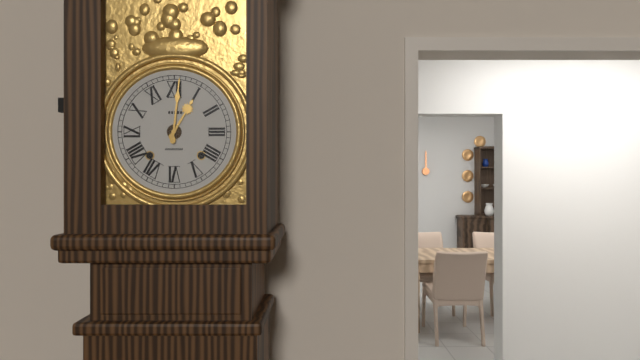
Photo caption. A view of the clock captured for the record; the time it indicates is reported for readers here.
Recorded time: 1:01
